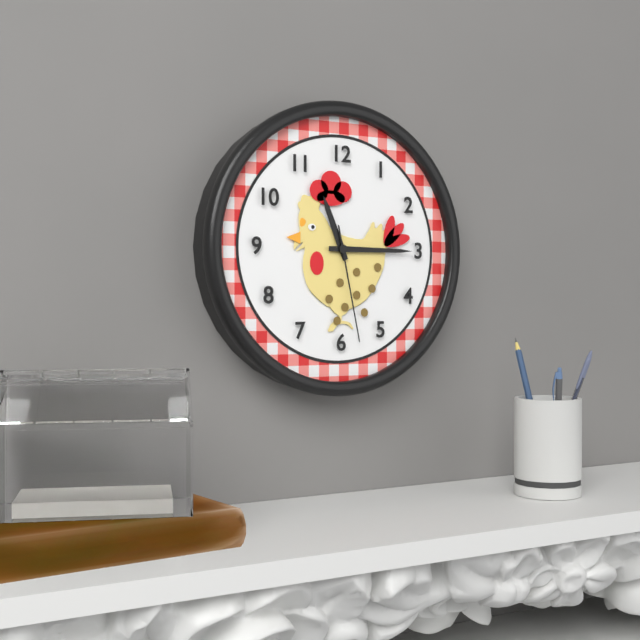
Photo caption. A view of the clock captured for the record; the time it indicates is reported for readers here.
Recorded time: 11:15:28
